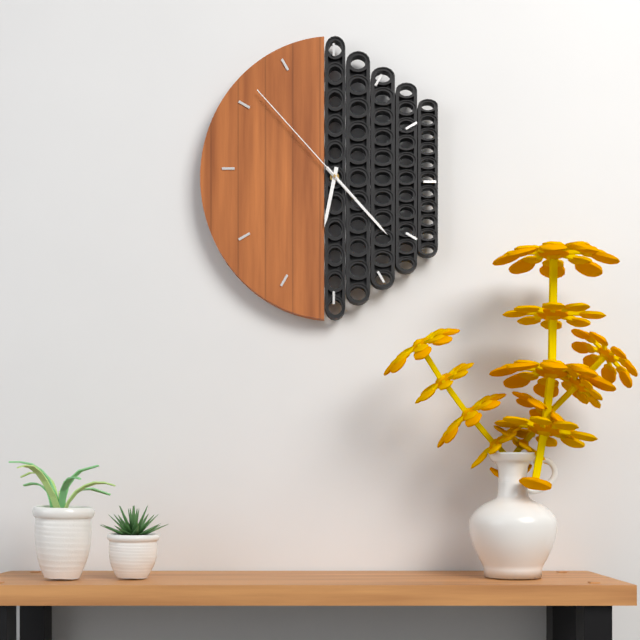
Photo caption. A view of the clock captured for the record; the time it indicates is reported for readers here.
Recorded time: 6:23:53
